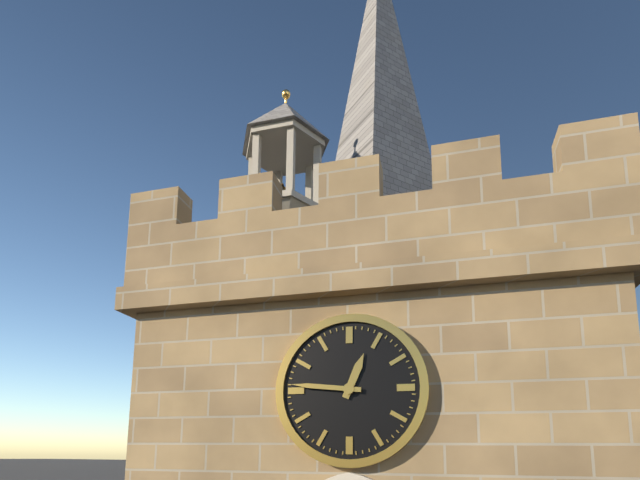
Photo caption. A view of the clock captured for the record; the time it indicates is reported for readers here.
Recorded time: 12:46
